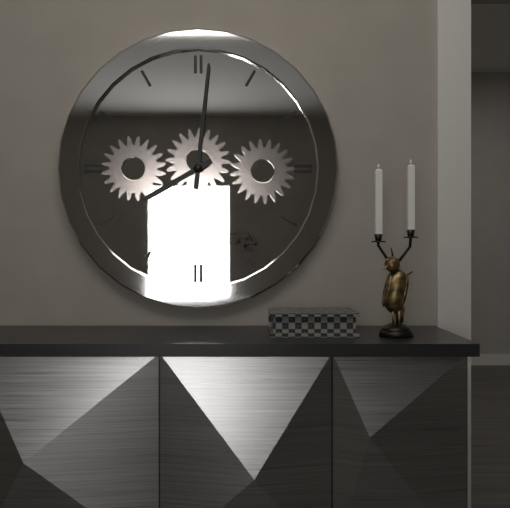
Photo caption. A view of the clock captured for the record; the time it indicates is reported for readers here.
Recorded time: 8:01
